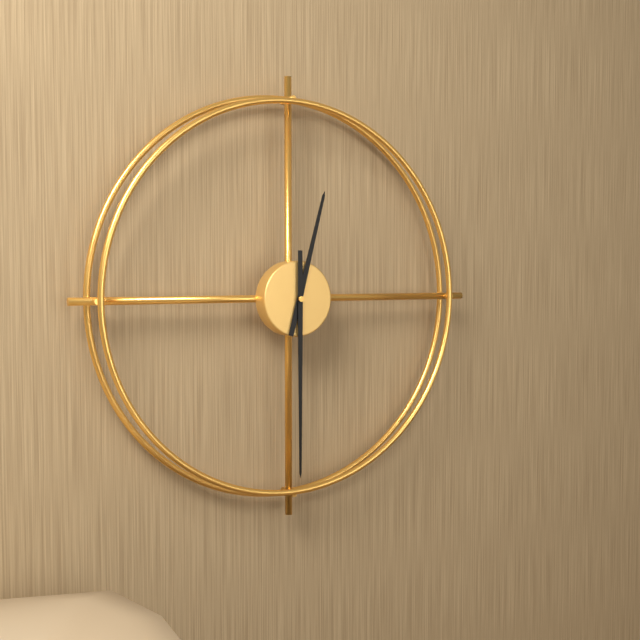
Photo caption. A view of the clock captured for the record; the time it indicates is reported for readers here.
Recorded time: 12:30
